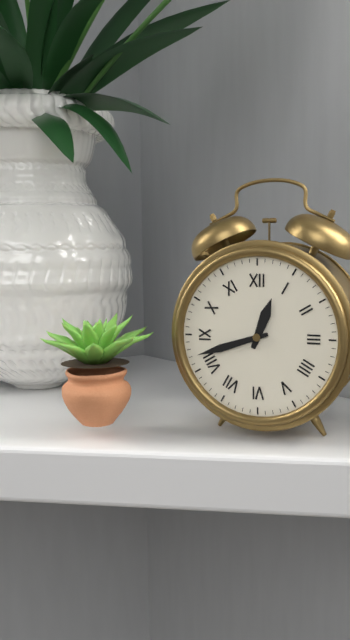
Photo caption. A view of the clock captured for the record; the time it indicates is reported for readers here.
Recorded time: 12:42
